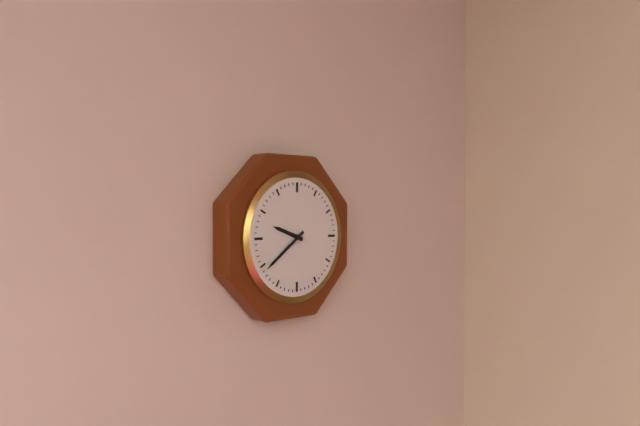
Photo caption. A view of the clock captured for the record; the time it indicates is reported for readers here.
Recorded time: 9:39
